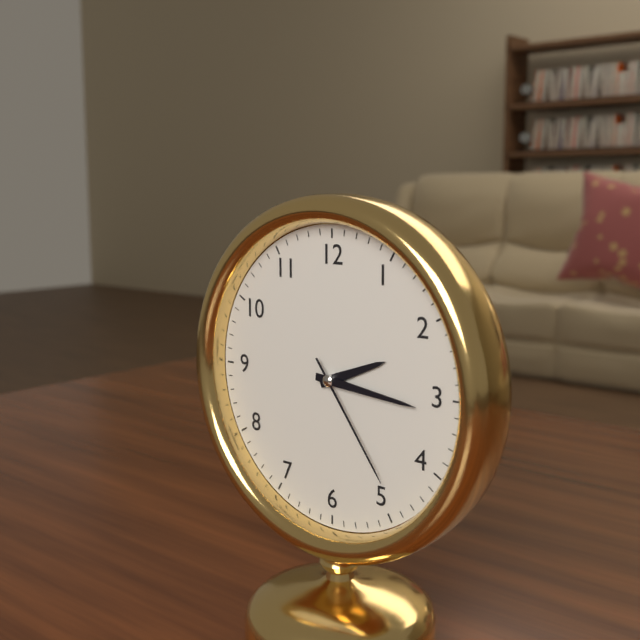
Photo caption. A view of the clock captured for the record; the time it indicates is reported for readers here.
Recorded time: 2:16:24
